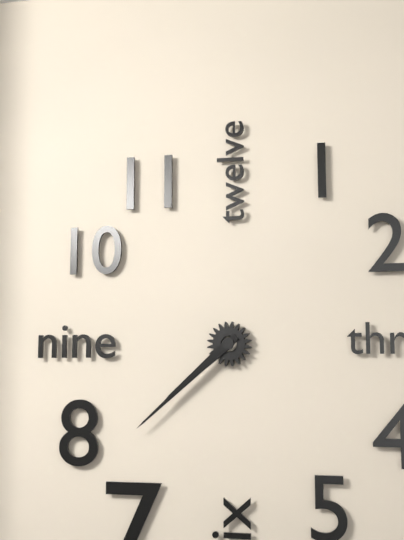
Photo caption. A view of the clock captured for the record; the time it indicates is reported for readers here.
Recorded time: 7:38
